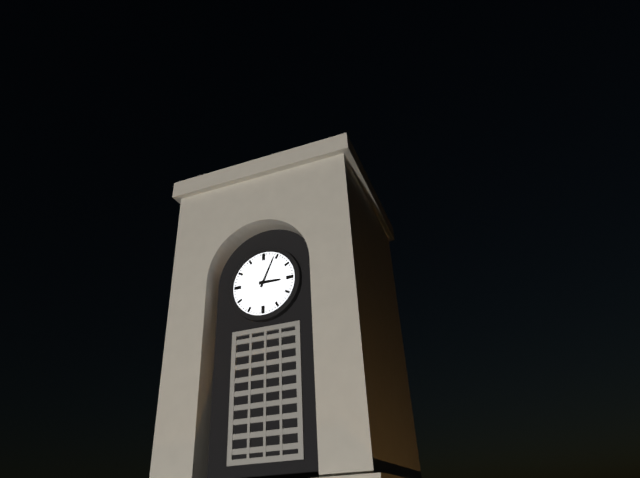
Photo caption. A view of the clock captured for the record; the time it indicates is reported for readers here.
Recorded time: 3:04
